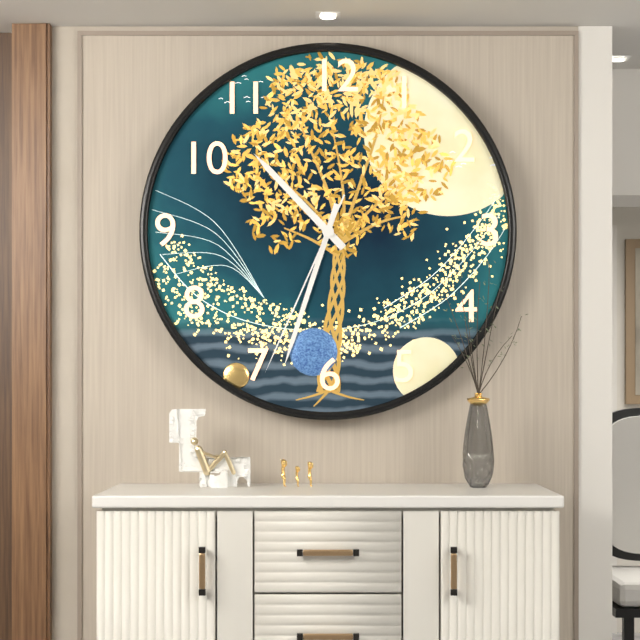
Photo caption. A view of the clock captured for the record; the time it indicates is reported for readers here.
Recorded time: 10:33:34
